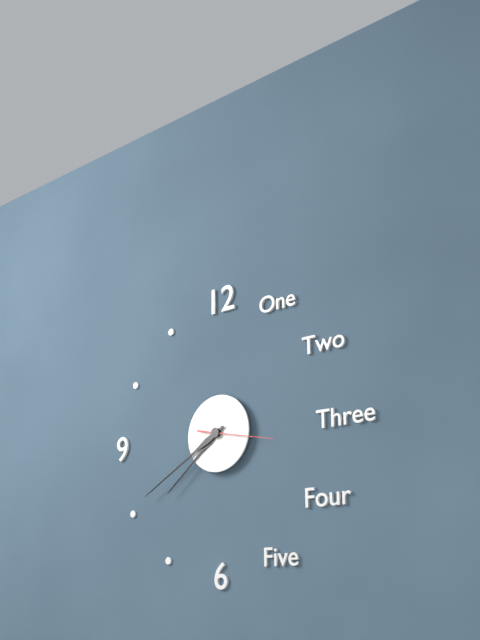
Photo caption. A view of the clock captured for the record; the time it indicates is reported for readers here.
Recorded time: 7:40:17
